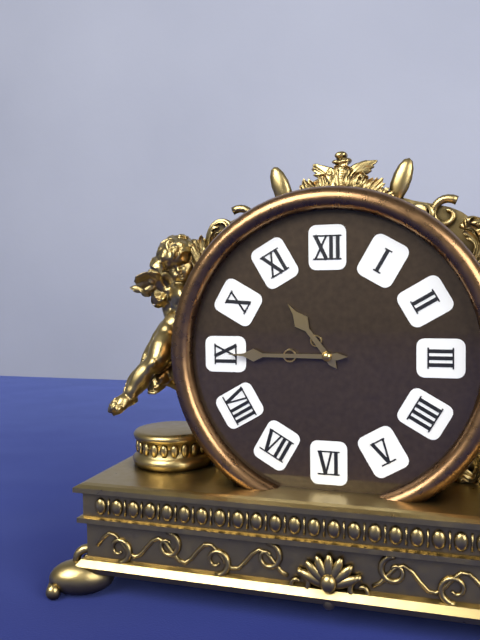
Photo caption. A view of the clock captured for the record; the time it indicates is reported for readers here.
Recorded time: 10:45
